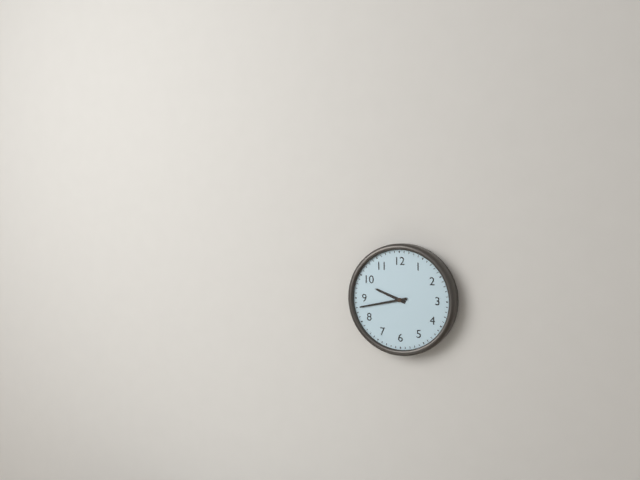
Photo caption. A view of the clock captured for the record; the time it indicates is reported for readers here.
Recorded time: 9:43
